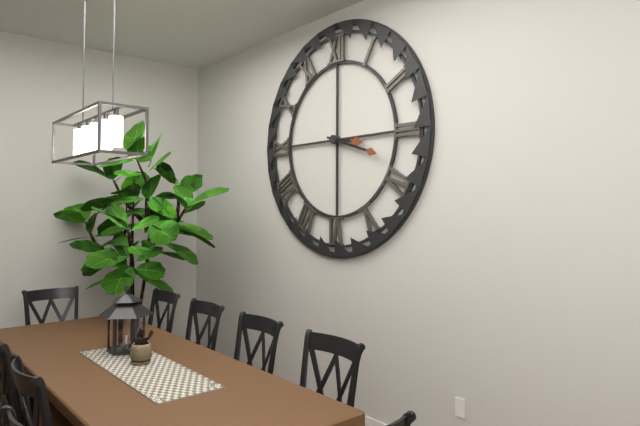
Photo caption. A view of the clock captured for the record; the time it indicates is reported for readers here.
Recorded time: 3:18
